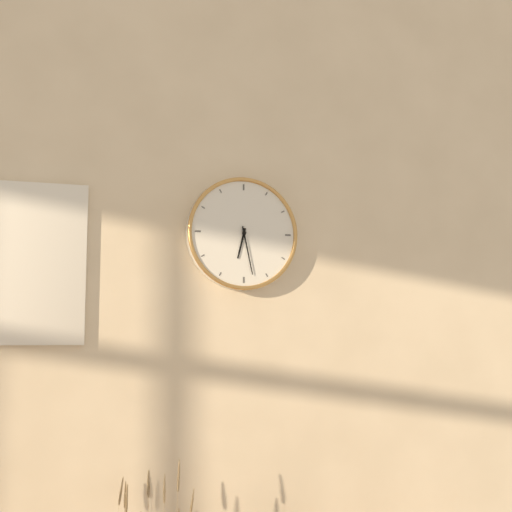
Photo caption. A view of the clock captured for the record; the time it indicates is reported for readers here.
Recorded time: 6:28
